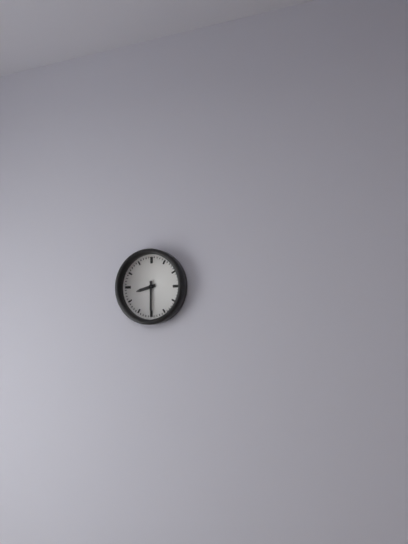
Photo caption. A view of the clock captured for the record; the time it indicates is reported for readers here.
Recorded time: 8:30
